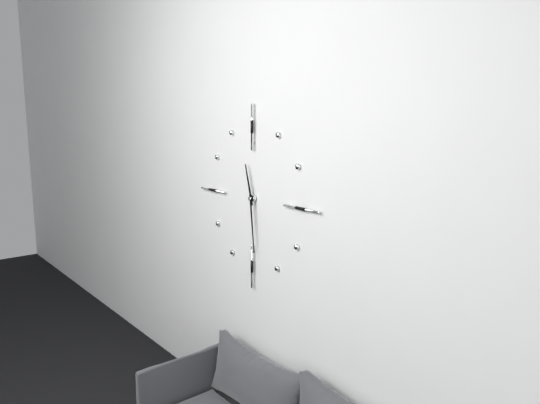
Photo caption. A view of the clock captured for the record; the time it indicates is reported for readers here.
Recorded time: 11:29
